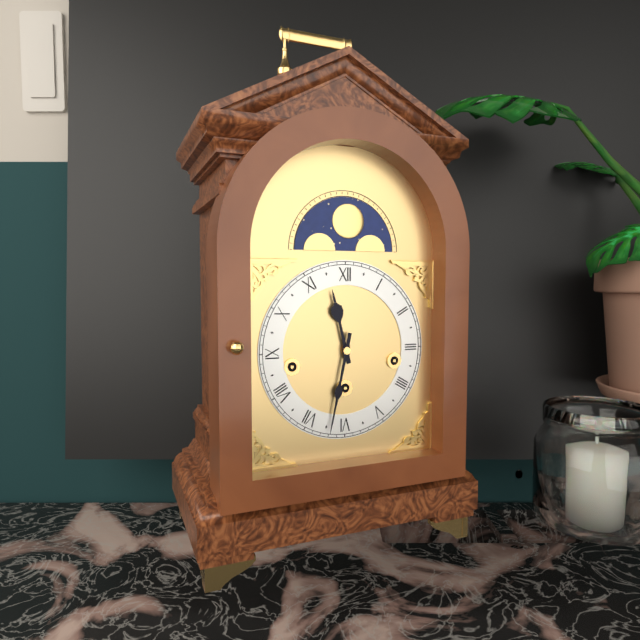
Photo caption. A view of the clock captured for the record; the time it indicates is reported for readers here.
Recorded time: 11:32
